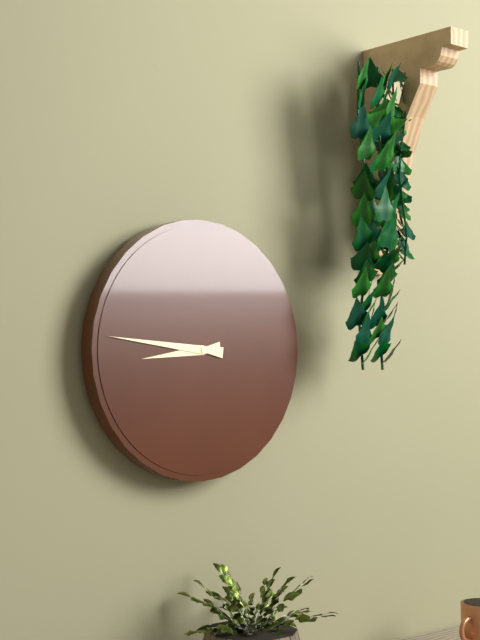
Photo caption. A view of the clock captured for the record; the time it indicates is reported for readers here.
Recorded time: 8:46
